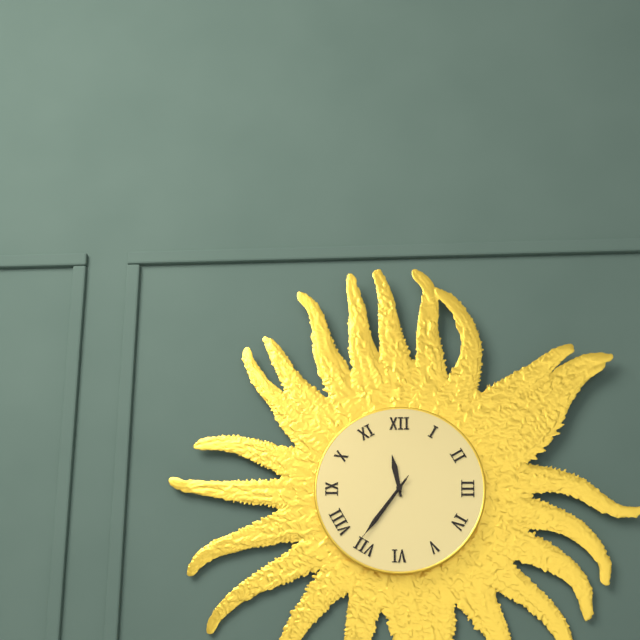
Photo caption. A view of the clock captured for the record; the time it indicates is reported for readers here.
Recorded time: 11:36:36
